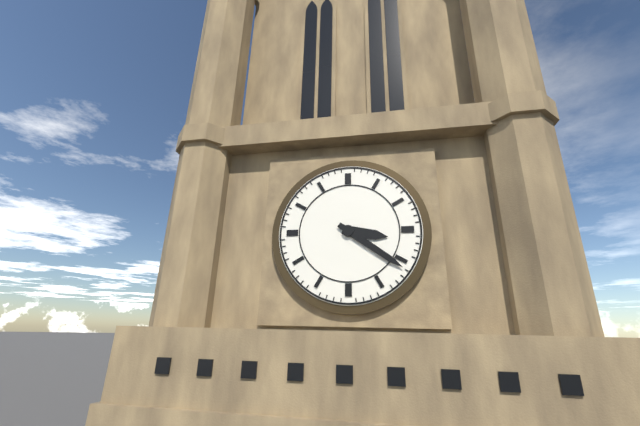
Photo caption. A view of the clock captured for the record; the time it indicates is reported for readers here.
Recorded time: 3:21
